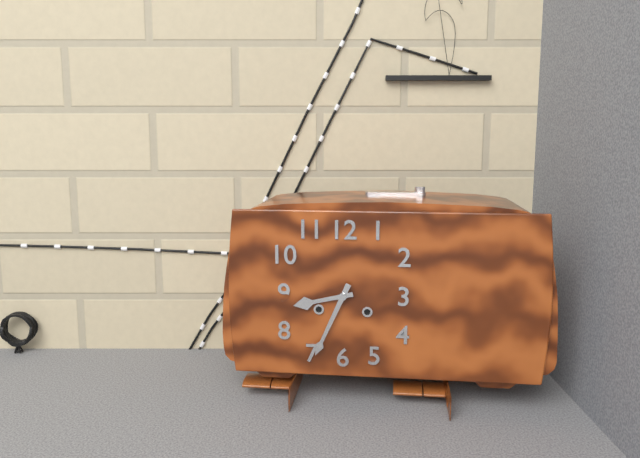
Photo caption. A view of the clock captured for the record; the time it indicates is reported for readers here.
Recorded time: 8:34
